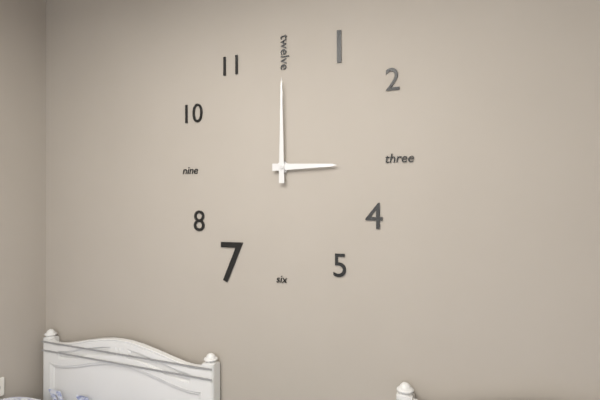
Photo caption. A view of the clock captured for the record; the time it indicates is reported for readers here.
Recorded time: 3:00
